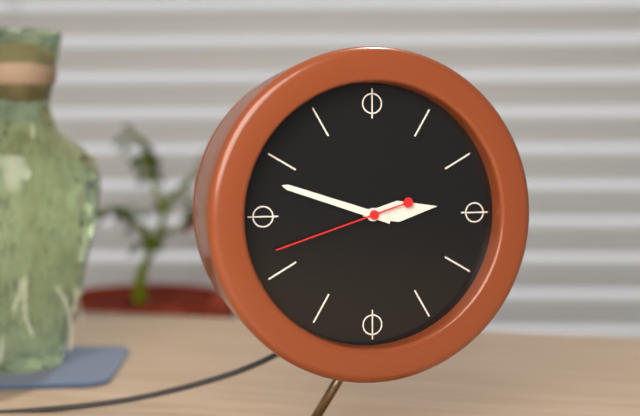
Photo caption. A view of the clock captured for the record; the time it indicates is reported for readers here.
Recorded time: 2:48:42
